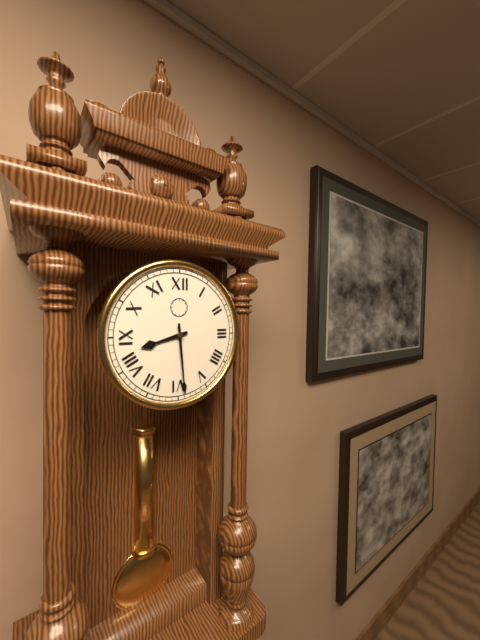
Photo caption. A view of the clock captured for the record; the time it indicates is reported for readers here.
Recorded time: 8:29
